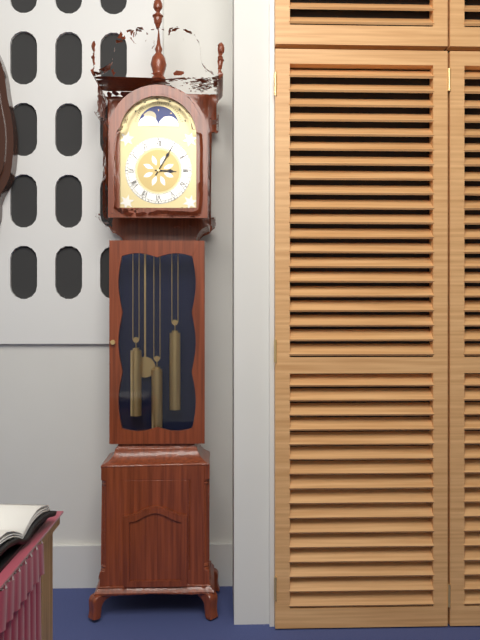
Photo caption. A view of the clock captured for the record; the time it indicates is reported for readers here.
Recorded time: 3:05
